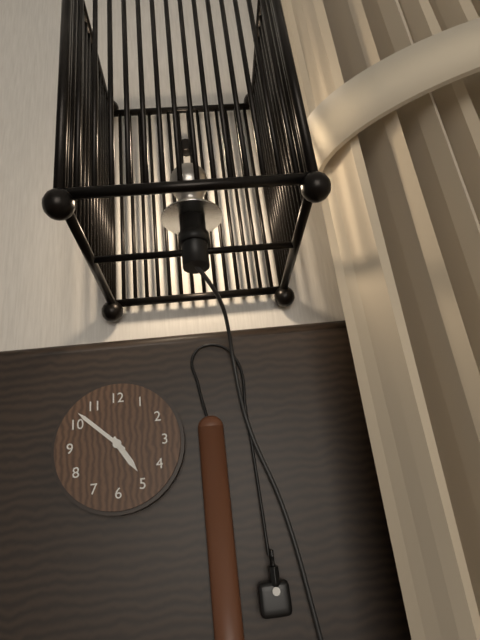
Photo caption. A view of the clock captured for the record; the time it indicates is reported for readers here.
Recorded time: 4:52
